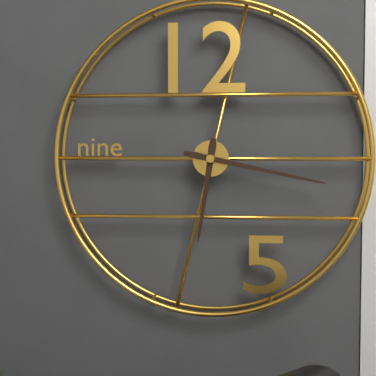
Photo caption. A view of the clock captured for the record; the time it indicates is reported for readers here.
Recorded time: 6:17
